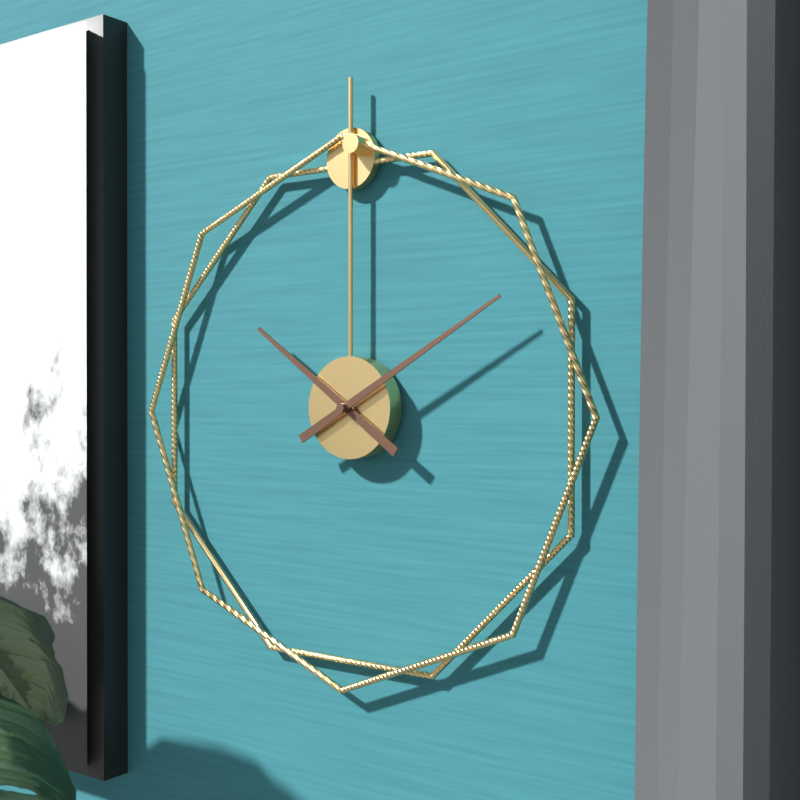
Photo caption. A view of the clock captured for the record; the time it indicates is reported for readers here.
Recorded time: 10:10
